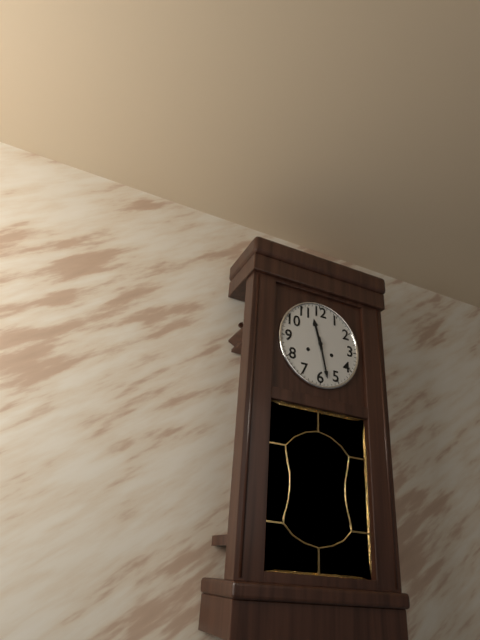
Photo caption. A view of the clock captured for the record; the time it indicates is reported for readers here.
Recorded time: 11:28
